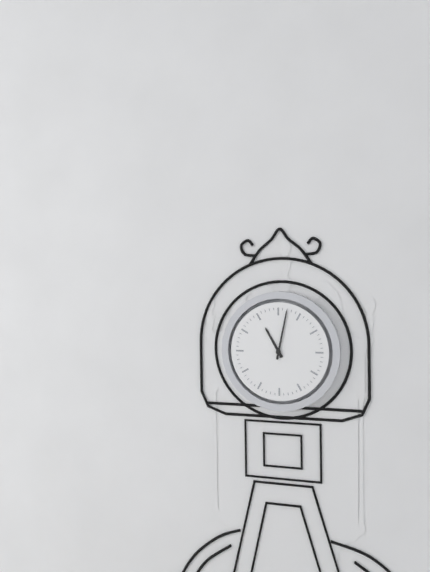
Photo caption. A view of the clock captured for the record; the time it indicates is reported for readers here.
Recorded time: 11:02
